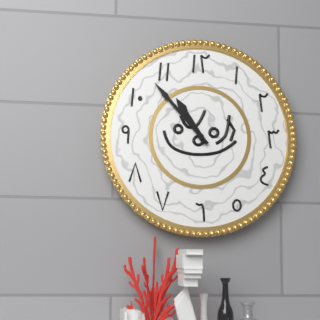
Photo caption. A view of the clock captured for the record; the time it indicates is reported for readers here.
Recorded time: 10:53
